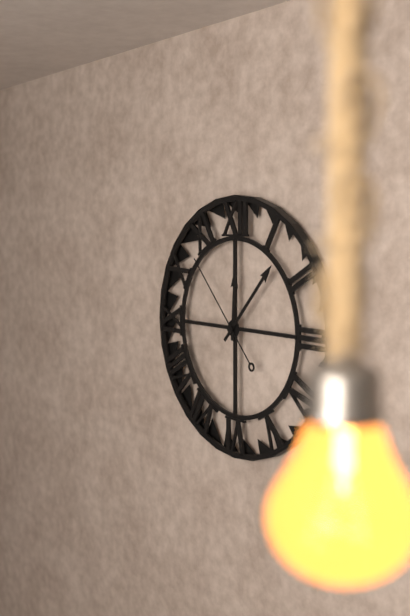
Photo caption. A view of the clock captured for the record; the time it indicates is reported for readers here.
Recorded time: 12:07:53
